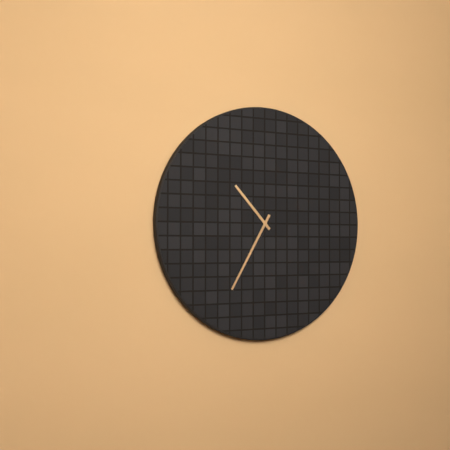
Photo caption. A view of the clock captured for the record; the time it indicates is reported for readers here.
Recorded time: 10:35
